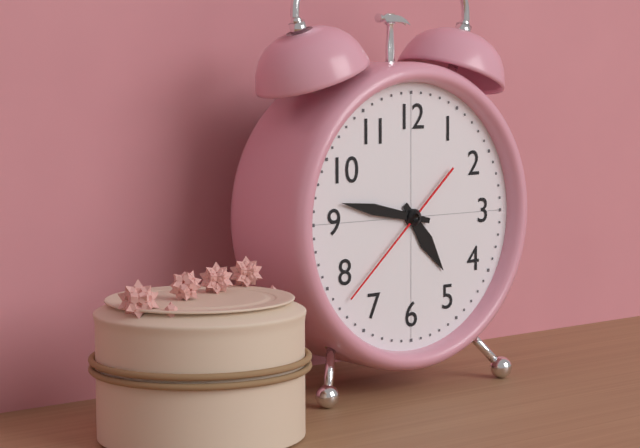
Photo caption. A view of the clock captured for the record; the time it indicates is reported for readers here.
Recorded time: 4:47:38
